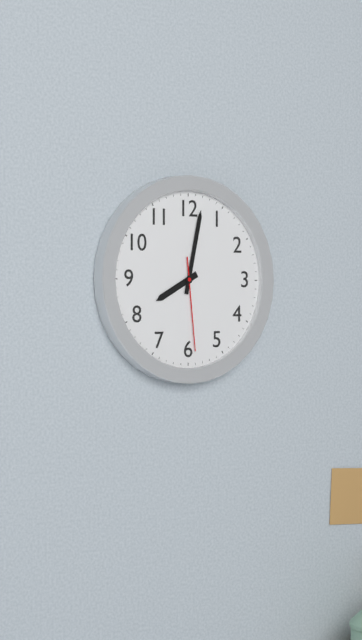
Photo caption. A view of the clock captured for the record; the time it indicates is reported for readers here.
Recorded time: 8:02:29
